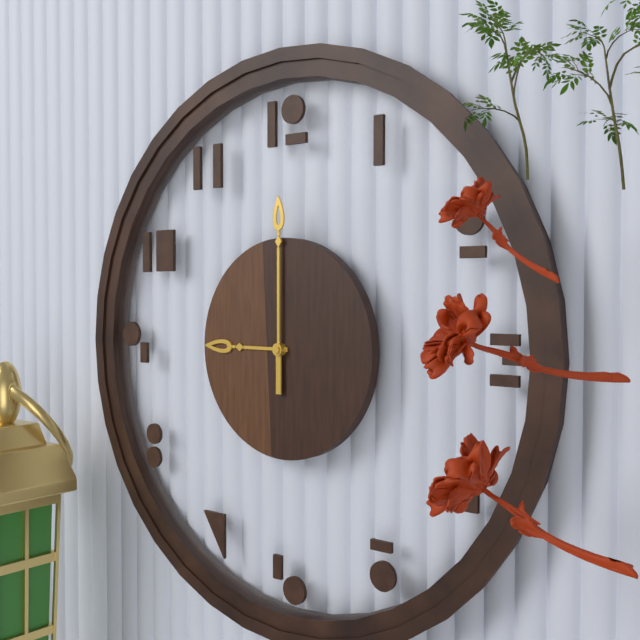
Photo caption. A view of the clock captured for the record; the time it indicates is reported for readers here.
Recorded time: 9:00
